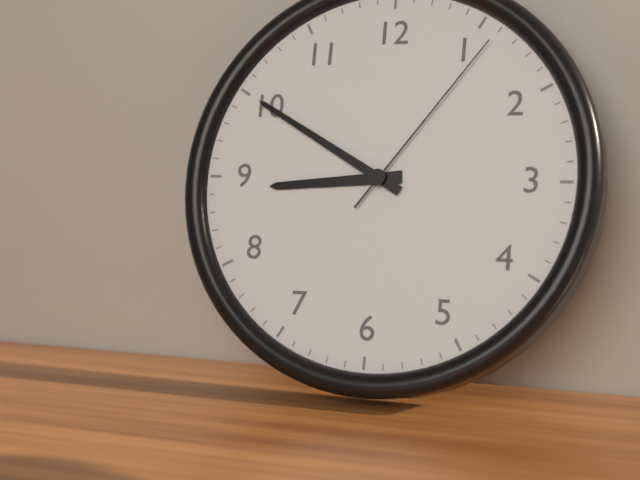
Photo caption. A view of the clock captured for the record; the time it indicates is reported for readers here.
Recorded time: 8:50:06
